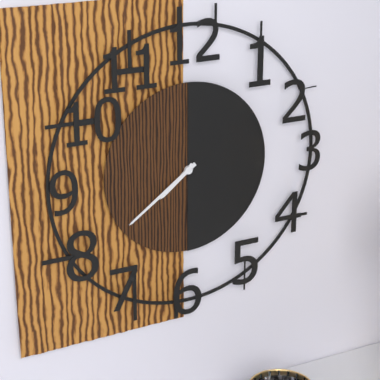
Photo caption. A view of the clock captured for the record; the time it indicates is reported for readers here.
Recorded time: 7:39
